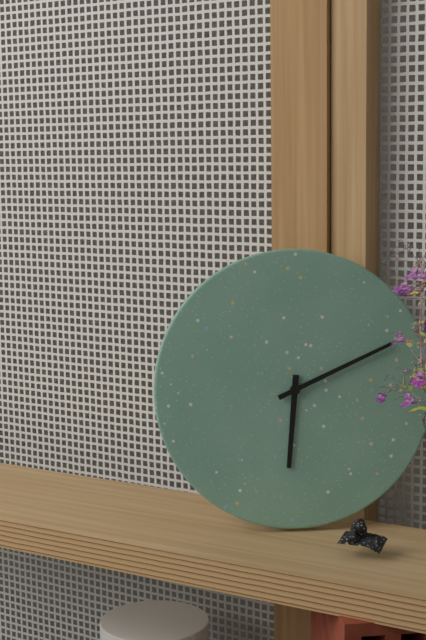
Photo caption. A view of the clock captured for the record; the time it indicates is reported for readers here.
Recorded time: 6:11
